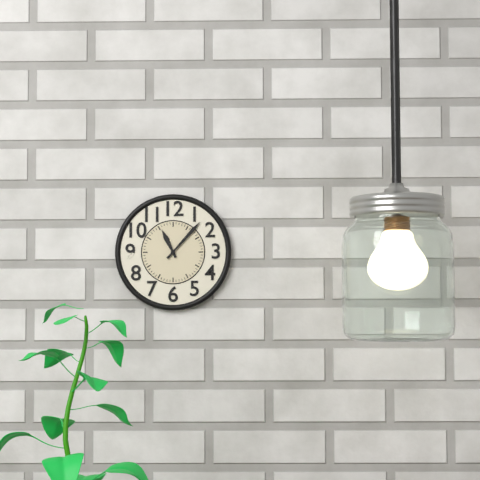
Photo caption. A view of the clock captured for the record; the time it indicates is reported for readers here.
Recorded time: 11:07
